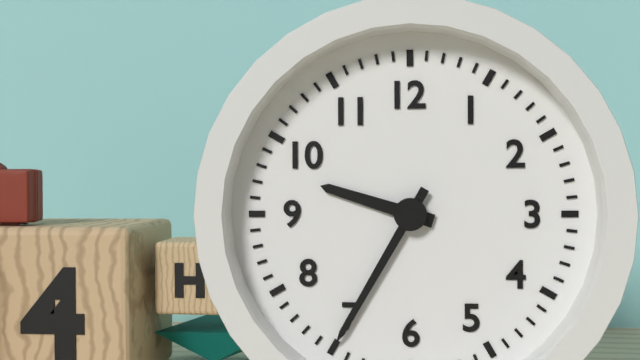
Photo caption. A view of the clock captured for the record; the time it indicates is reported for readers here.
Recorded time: 9:35
